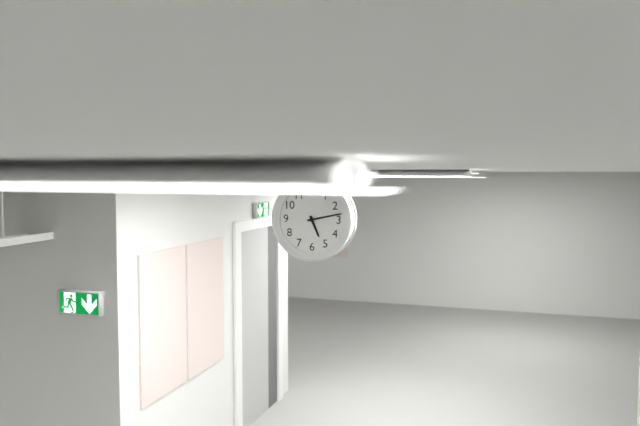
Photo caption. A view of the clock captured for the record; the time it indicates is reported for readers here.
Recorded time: 5:13
